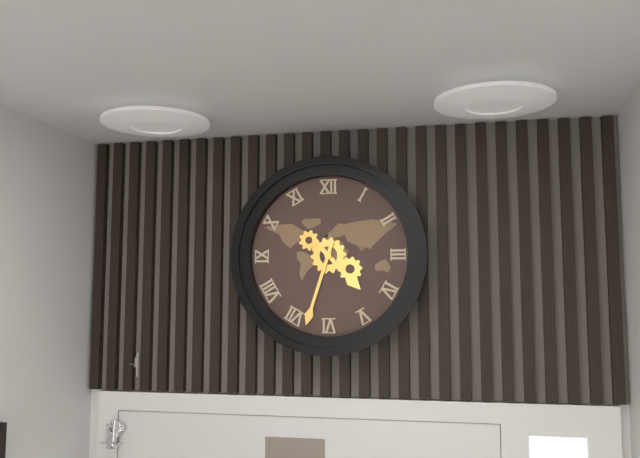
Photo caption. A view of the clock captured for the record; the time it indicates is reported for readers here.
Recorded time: 4:33
